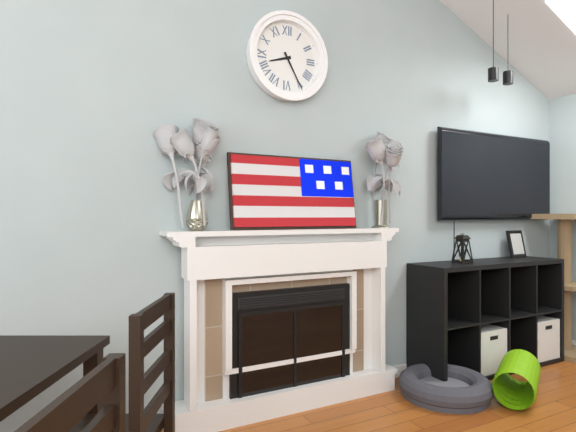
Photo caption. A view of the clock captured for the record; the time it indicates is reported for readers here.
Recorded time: 8:25
